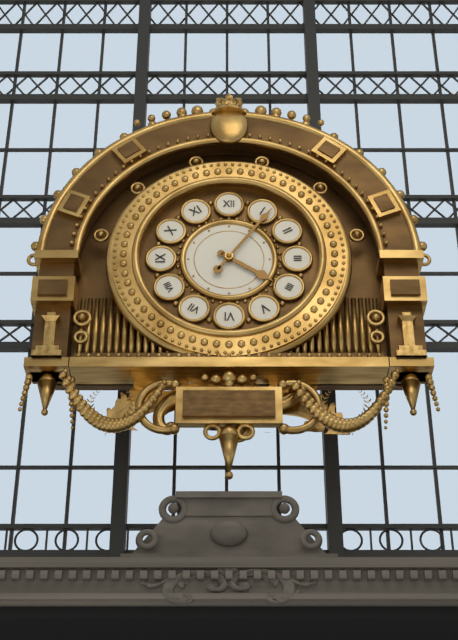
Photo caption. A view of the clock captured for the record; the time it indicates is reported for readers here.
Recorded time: 4:06
